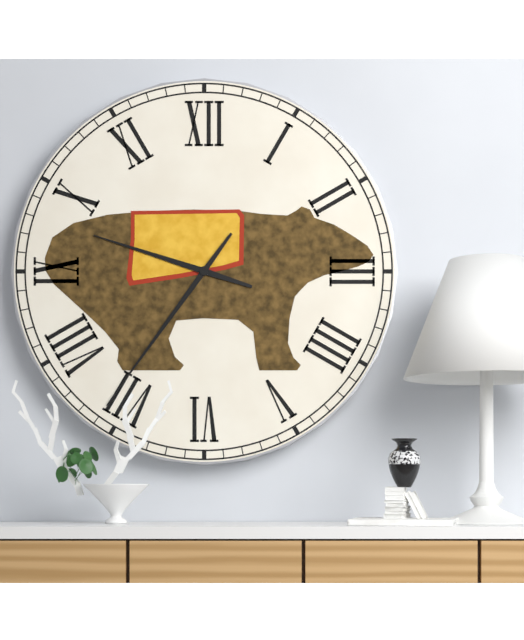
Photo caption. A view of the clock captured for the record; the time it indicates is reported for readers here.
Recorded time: 9:36
